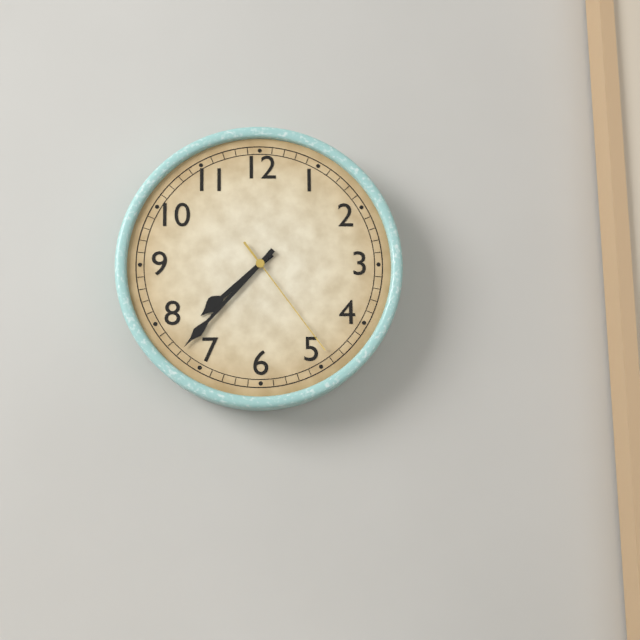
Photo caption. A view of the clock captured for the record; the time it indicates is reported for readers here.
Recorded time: 7:37:24
